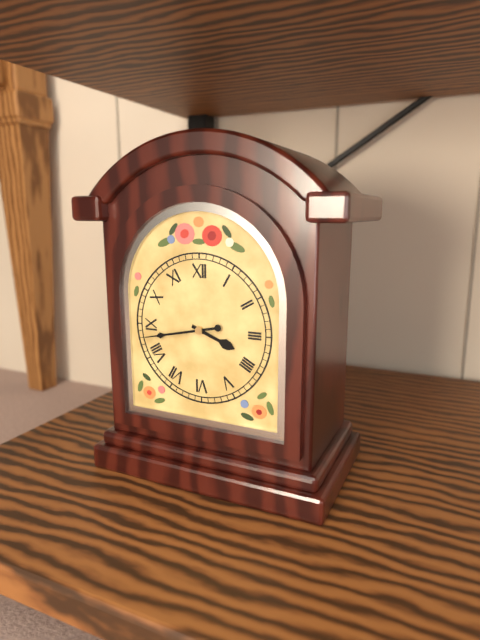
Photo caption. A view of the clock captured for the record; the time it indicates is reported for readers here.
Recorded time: 3:43
